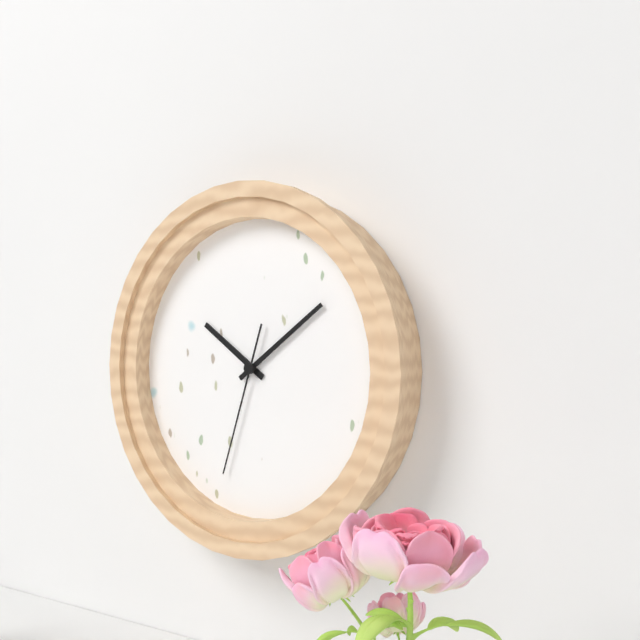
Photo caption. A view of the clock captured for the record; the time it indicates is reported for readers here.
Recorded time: 10:09:33
